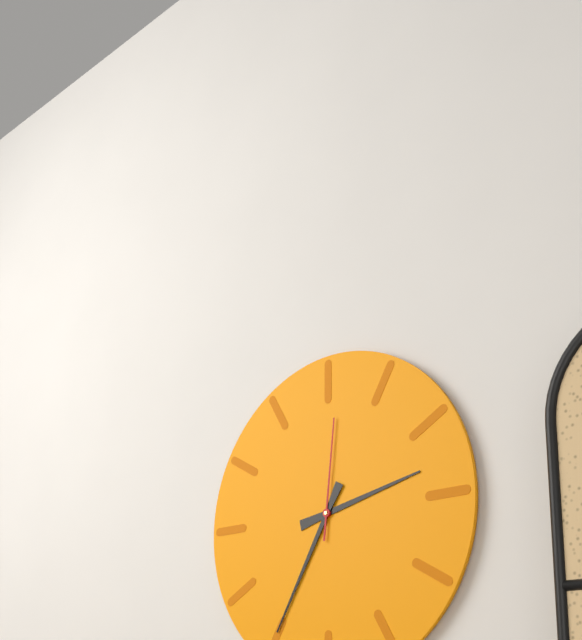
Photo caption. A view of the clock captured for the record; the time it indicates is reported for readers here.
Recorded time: 2:35:01
